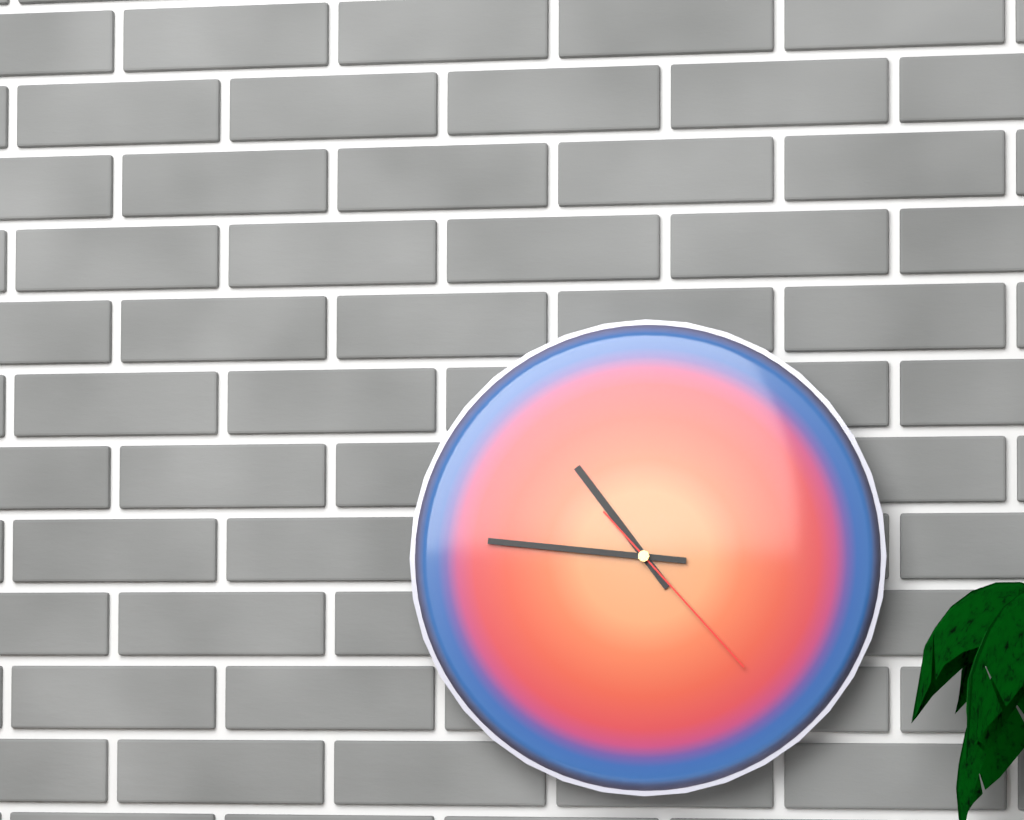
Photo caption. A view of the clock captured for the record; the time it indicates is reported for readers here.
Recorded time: 10:46:23
